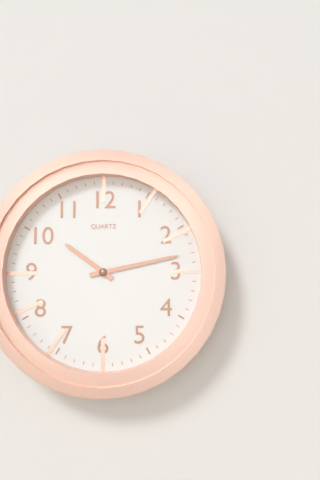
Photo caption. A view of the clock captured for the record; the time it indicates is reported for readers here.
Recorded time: 10:13
